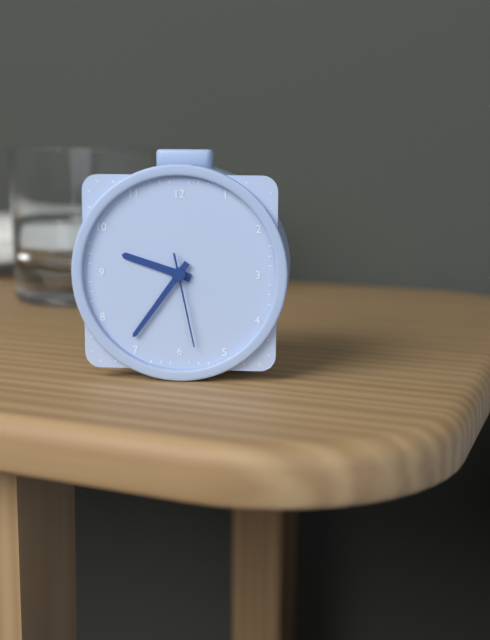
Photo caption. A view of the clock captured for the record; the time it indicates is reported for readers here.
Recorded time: 9:36:28
